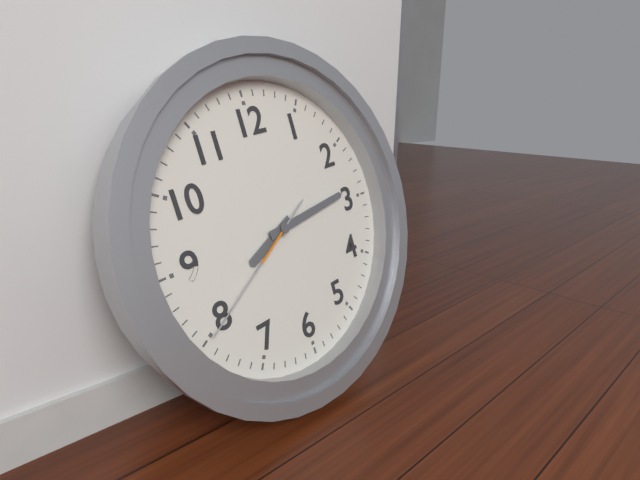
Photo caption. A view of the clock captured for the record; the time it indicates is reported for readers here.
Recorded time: 8:14:40
